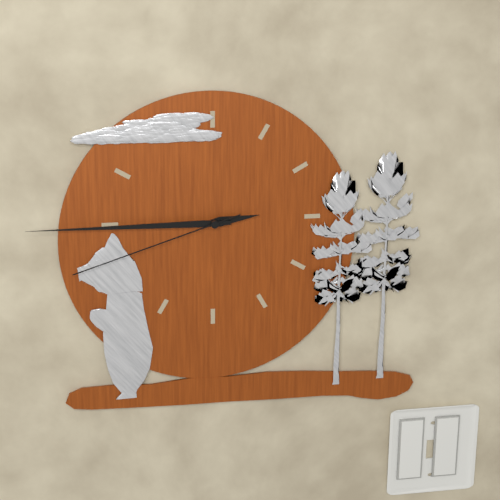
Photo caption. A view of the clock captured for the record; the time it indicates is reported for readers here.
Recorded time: 2:45:42
